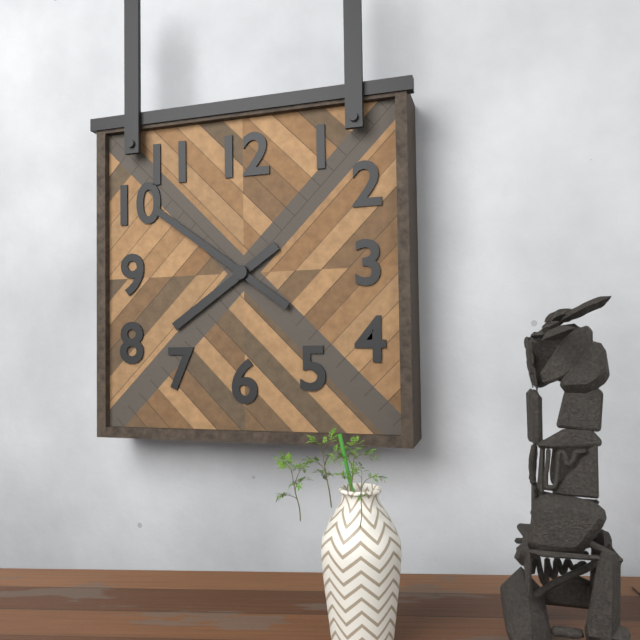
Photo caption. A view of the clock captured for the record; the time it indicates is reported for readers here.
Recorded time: 7:51
